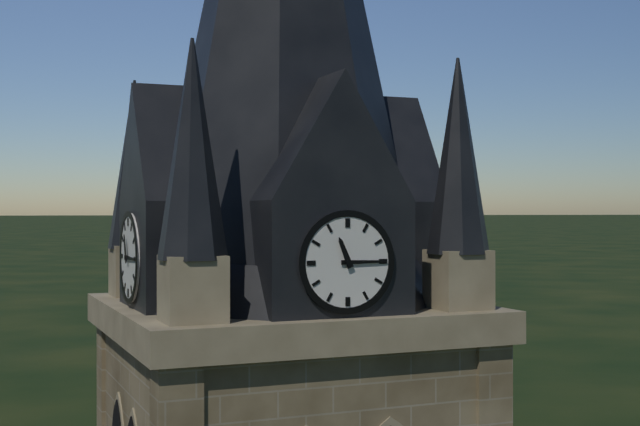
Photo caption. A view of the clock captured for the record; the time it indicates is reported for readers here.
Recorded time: 11:15
